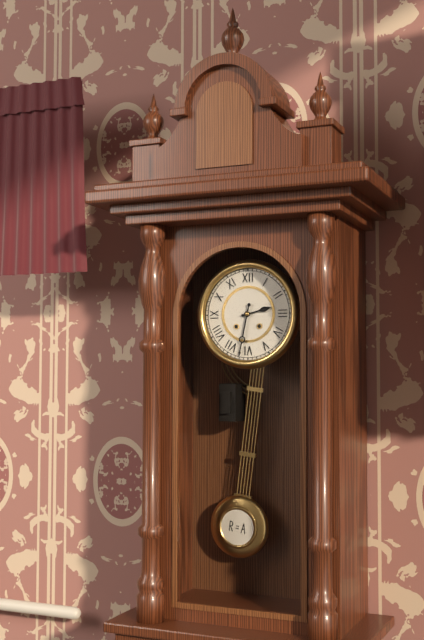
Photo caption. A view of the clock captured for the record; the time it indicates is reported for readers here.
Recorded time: 2:32
